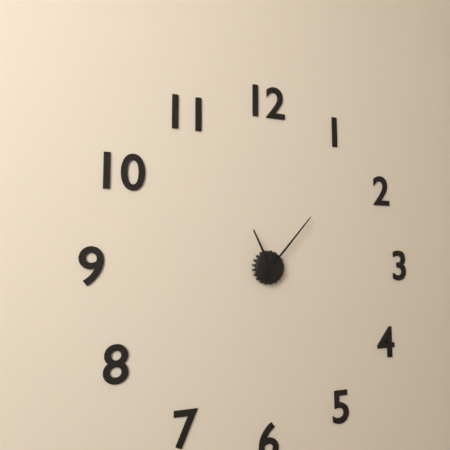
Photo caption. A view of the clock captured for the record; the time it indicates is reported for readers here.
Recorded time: 11:07
